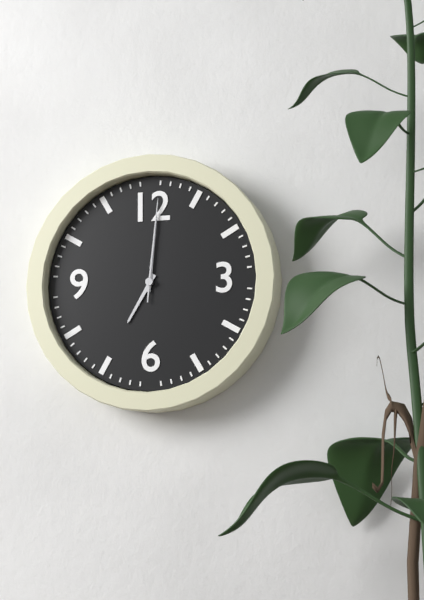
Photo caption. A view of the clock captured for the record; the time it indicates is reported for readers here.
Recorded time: 7:01:01
